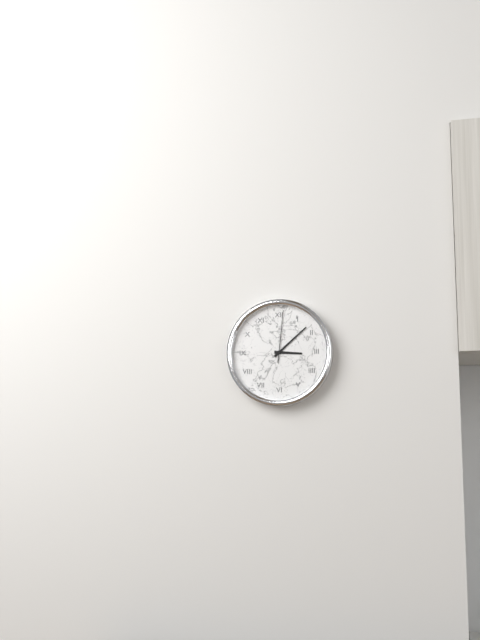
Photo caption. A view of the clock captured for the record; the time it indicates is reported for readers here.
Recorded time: 3:08:01
